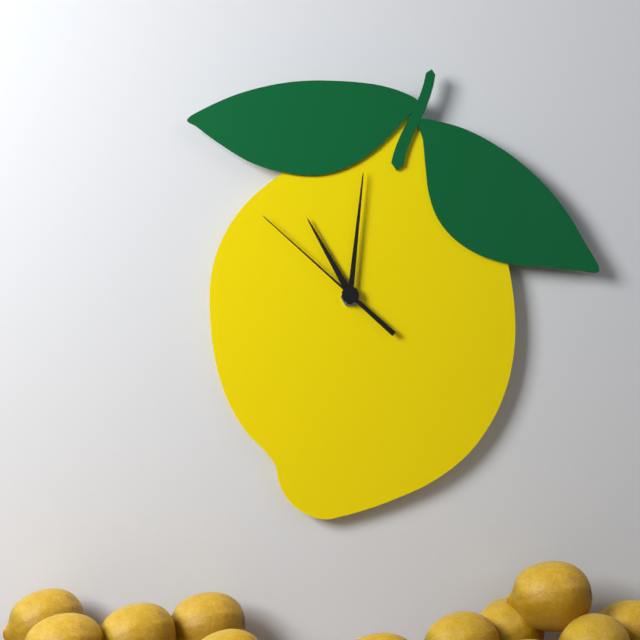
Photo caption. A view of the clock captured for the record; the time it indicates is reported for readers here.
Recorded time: 11:01:52
